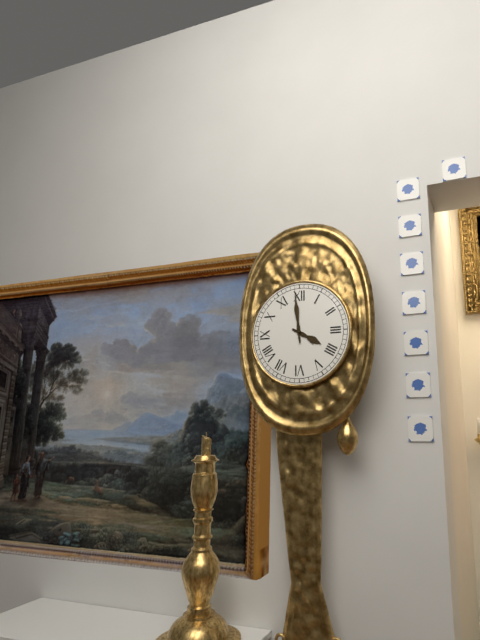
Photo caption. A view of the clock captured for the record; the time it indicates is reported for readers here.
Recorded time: 3:59
